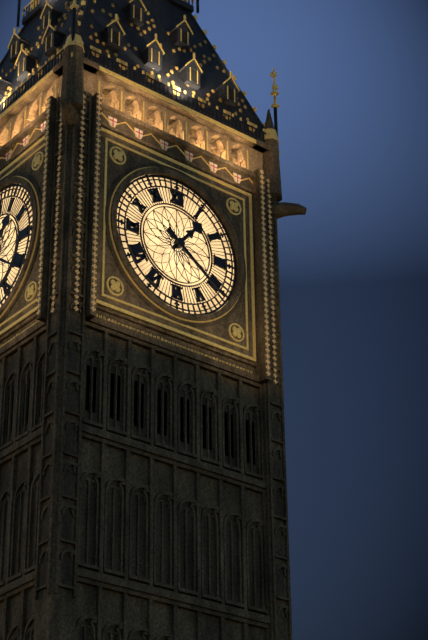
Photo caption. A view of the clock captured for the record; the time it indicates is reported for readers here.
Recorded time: 1:21
